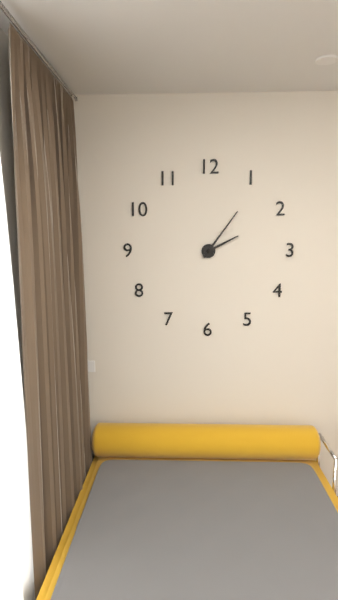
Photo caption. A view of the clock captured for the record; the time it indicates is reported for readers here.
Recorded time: 2:06
